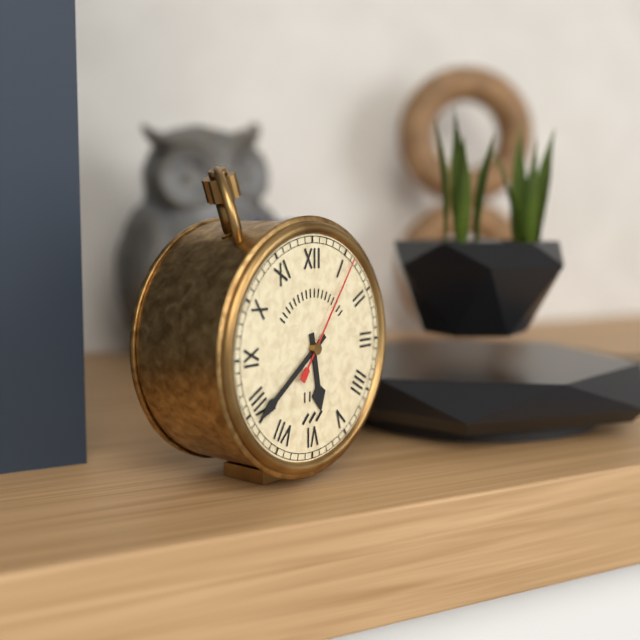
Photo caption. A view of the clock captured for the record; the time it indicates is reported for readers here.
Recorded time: 5:39:06
